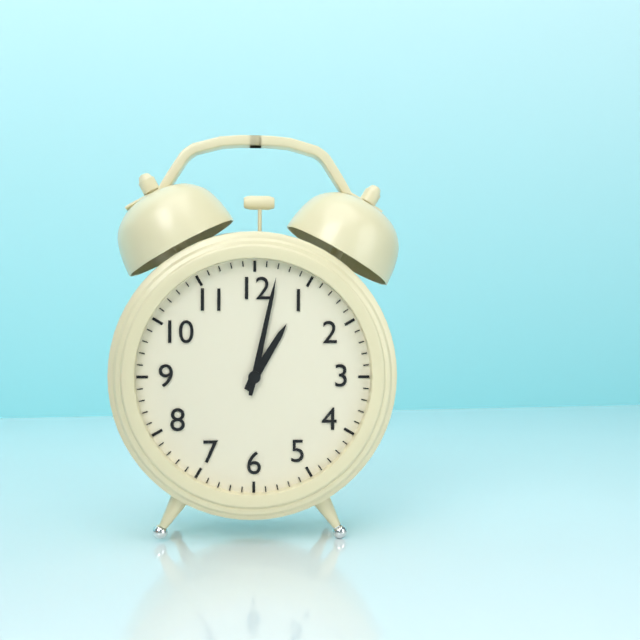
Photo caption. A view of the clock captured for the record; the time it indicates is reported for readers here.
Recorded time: 1:02
